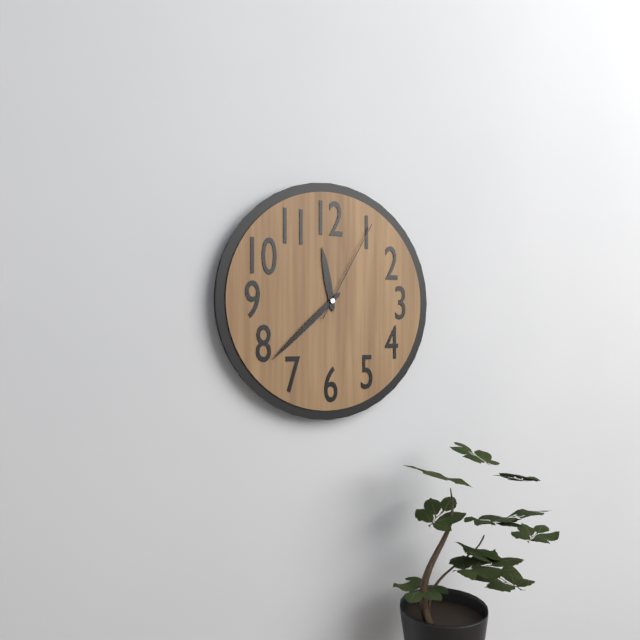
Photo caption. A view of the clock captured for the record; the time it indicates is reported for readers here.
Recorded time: 11:38:05
